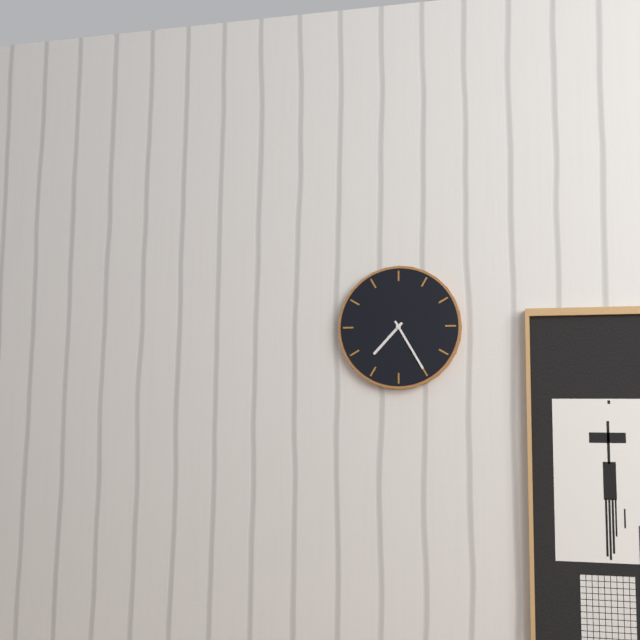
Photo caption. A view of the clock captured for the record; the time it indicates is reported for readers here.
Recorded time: 7:25
